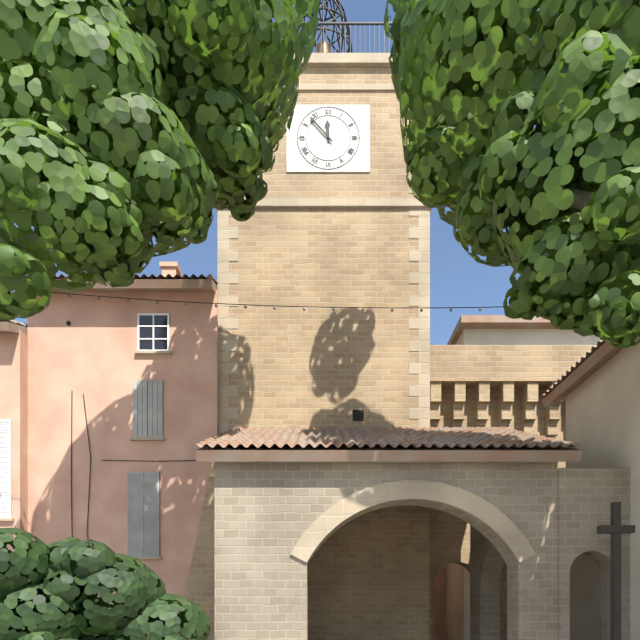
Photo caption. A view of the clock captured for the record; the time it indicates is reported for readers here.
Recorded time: 11:53
